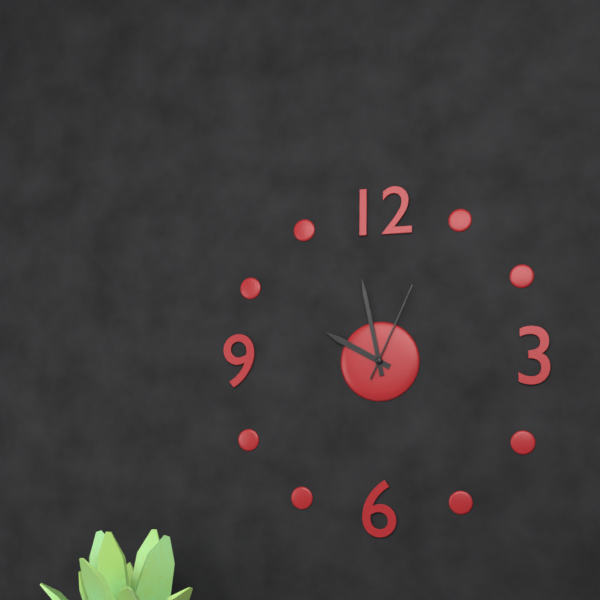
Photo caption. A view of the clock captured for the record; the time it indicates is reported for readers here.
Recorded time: 9:58:04
